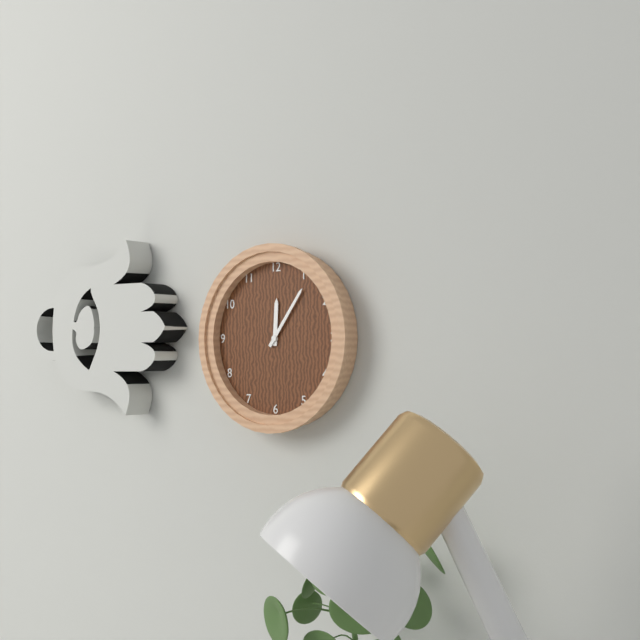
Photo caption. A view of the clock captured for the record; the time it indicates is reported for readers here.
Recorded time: 12:06
